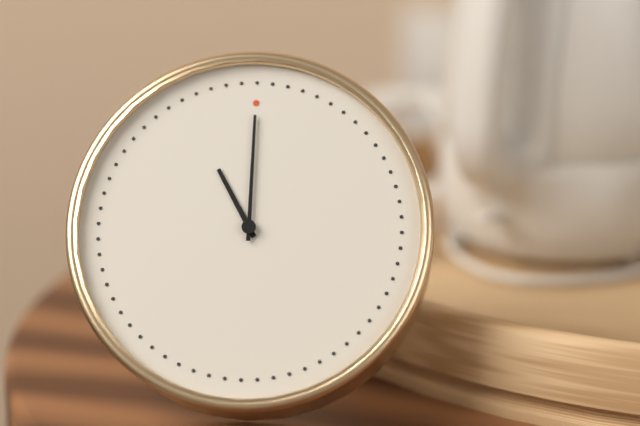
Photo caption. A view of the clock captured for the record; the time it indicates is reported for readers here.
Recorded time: 11:00
